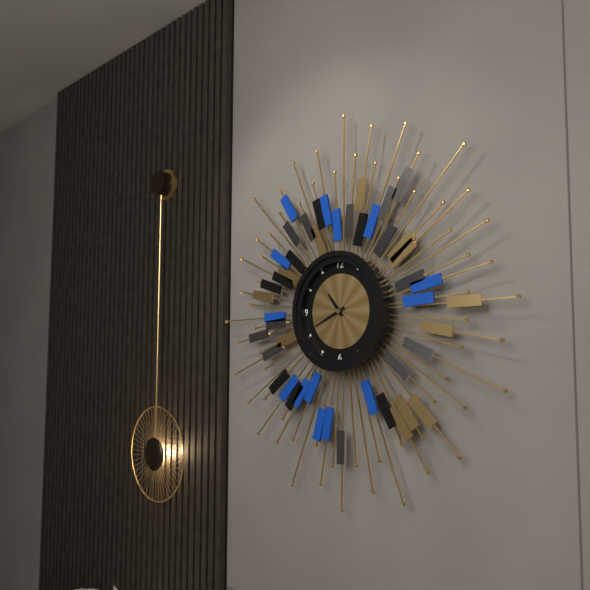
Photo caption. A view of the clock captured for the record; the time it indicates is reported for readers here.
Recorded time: 10:41
